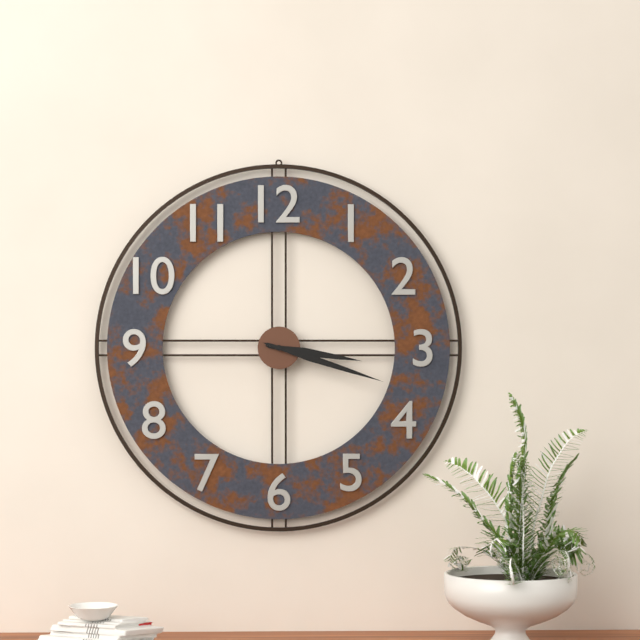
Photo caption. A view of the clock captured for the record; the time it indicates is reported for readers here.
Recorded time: 3:18
